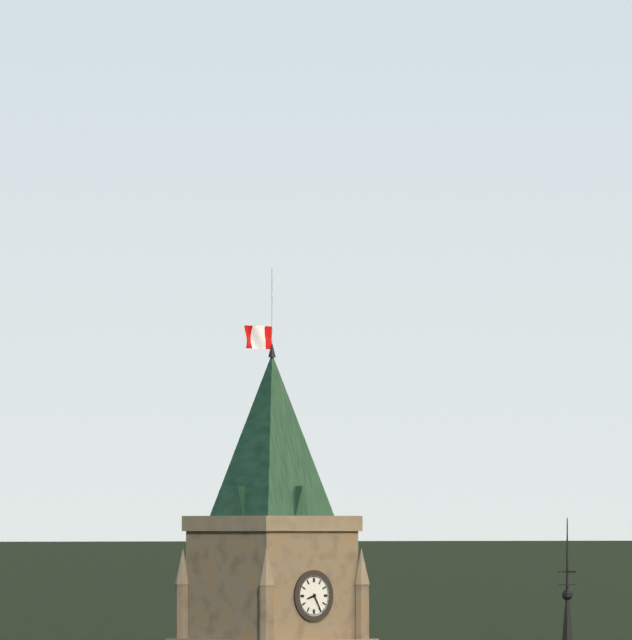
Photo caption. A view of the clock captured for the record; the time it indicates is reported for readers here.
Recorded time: 8:25
